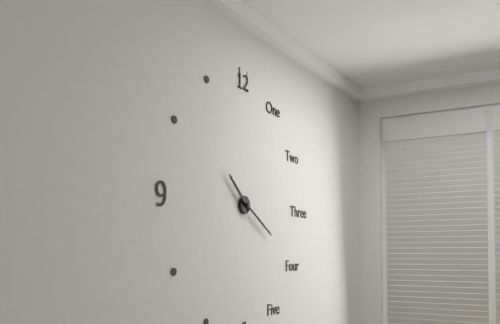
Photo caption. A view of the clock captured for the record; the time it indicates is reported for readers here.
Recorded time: 10:20
